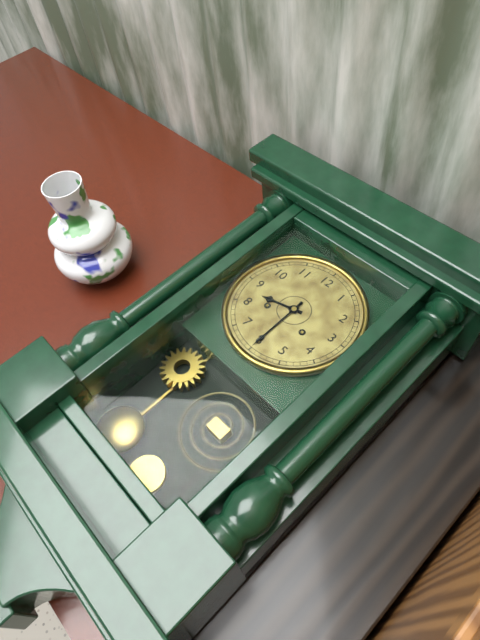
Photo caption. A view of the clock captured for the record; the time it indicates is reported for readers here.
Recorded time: 8:30
